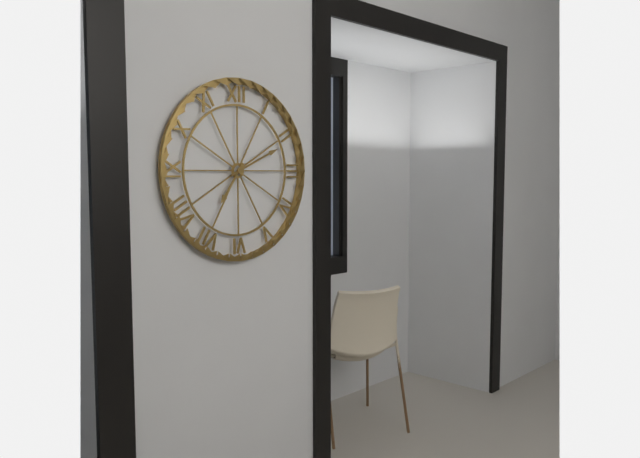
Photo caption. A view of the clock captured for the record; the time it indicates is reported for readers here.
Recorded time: 7:11
